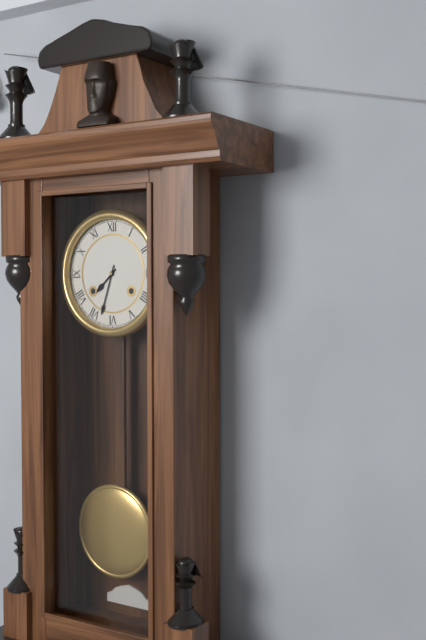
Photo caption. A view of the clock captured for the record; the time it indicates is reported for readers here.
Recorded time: 7:33
